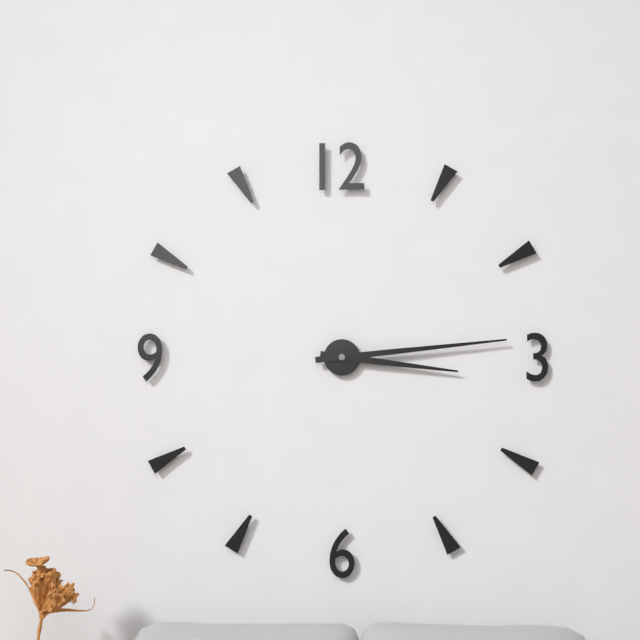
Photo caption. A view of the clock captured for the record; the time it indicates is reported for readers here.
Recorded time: 3:14
